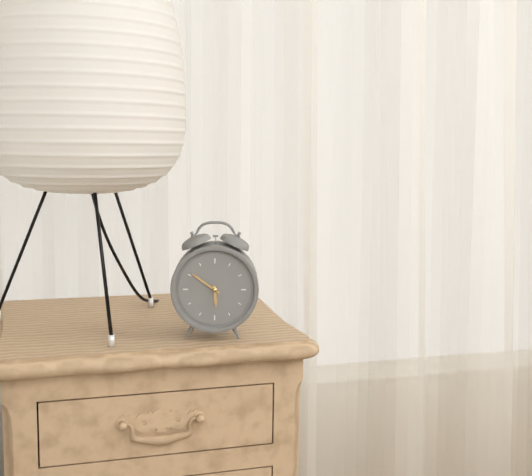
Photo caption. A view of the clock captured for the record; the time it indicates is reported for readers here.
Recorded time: 5:51
